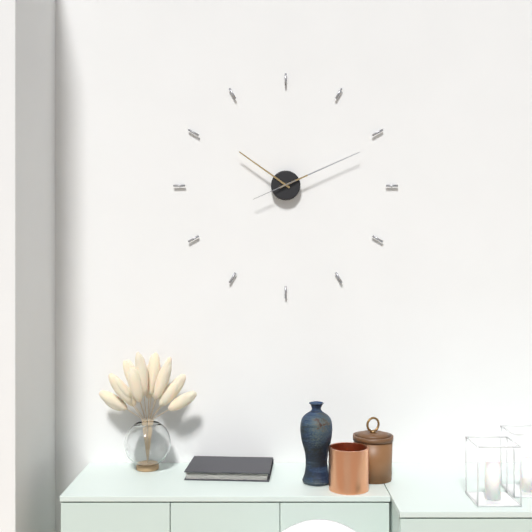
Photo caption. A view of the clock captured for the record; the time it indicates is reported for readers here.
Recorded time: 10:11
